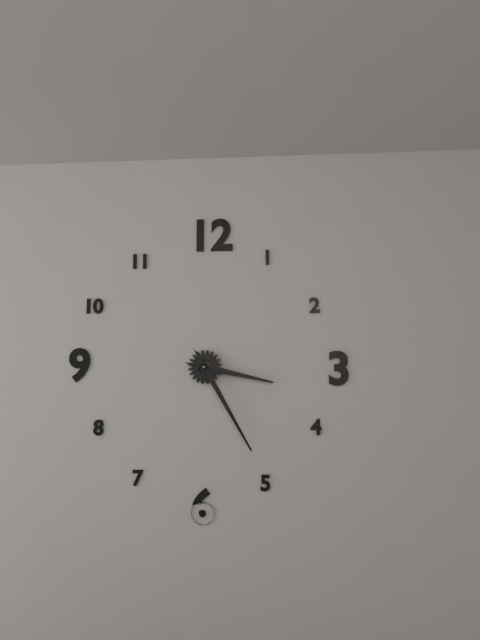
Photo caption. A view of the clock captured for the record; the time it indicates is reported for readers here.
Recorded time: 3:25
